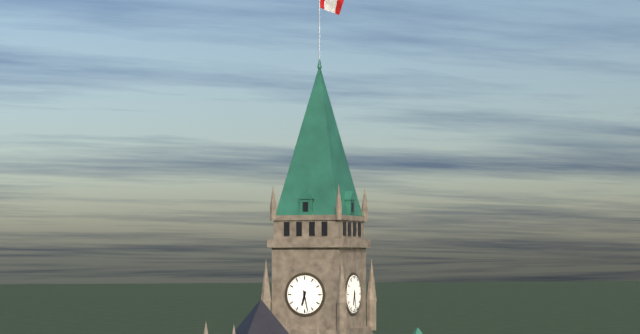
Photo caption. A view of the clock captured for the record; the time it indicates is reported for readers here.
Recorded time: 6:28
